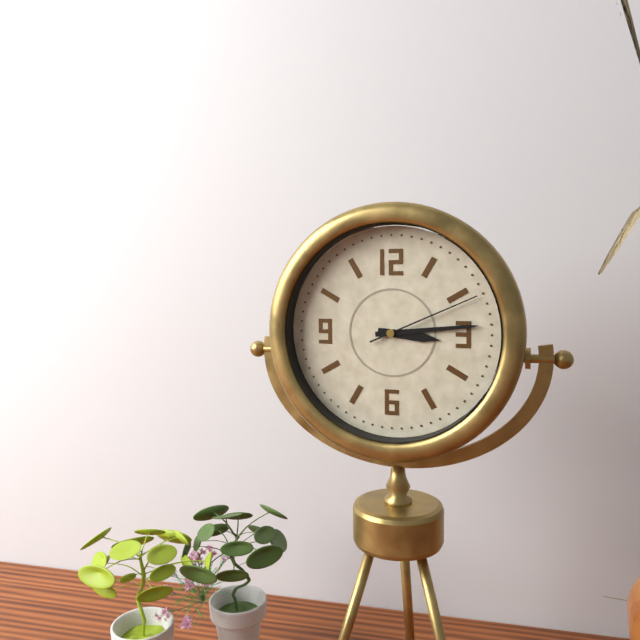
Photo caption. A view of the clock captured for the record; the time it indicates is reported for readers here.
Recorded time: 3:14:11
